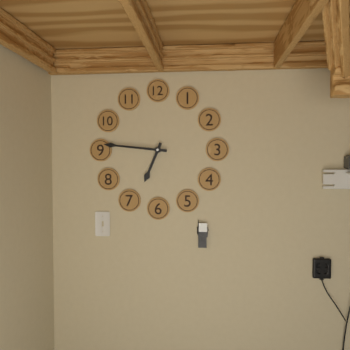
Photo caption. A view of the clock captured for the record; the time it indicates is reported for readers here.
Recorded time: 6:46
